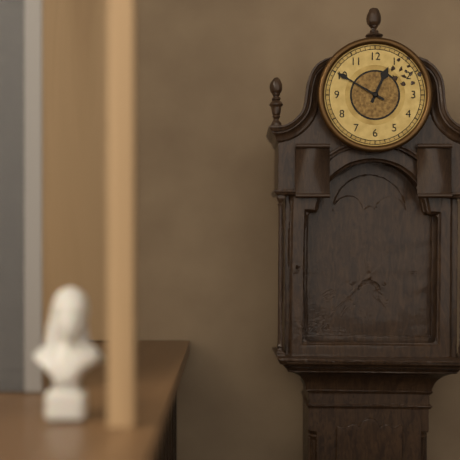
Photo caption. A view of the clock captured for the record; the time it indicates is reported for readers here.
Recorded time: 12:50
